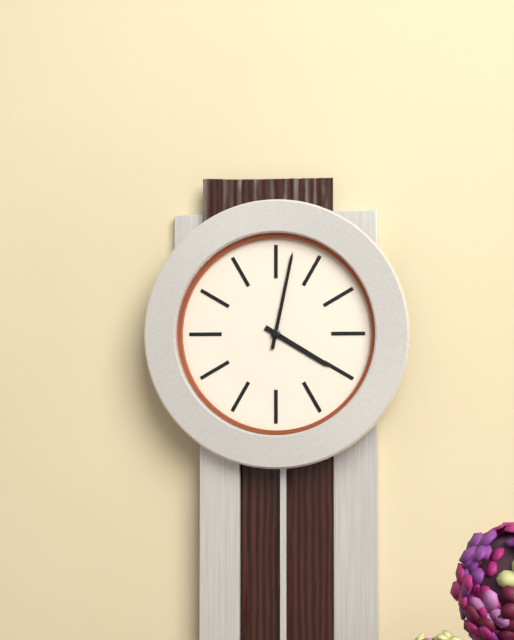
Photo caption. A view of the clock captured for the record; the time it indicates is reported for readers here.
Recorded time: 4:02
